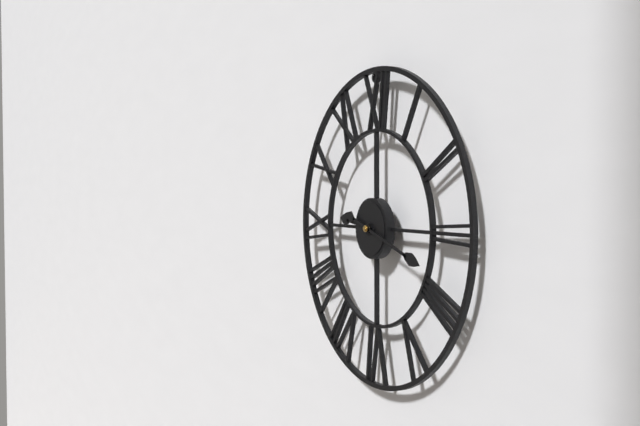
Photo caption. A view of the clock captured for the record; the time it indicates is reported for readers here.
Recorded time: 9:18
